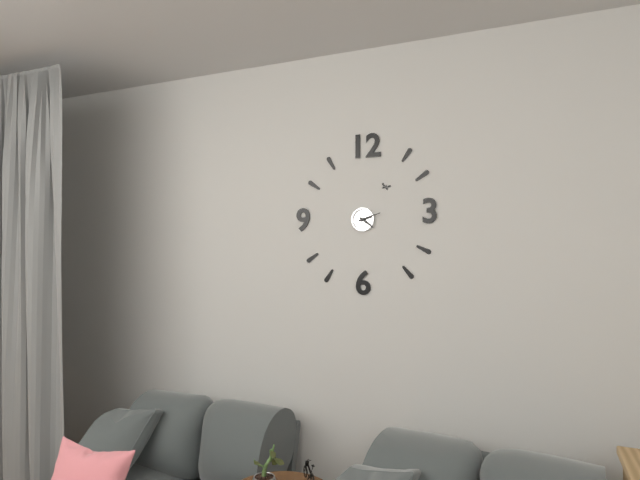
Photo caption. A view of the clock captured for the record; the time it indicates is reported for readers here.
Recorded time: 4:12
